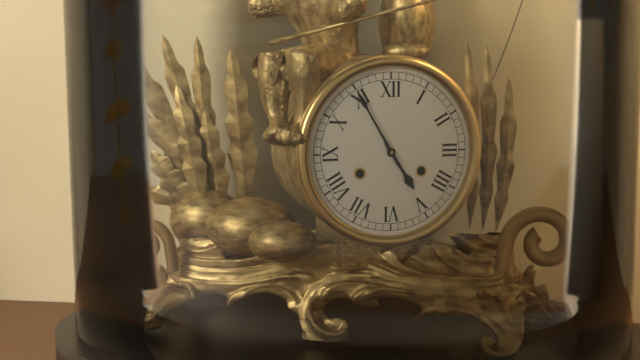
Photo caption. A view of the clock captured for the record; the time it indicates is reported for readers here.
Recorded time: 4:55
